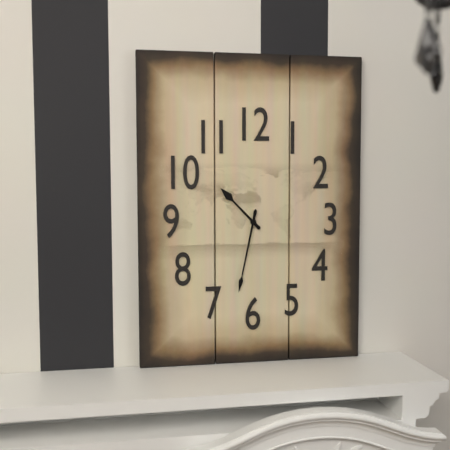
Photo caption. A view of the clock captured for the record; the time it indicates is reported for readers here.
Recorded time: 10:32
